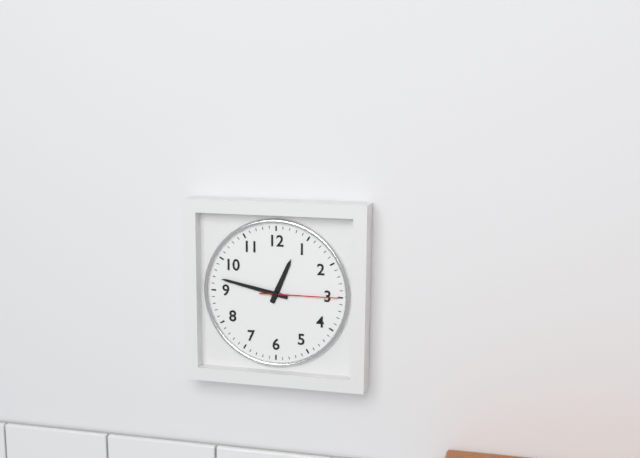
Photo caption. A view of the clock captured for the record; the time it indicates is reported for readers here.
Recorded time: 12:47:15
